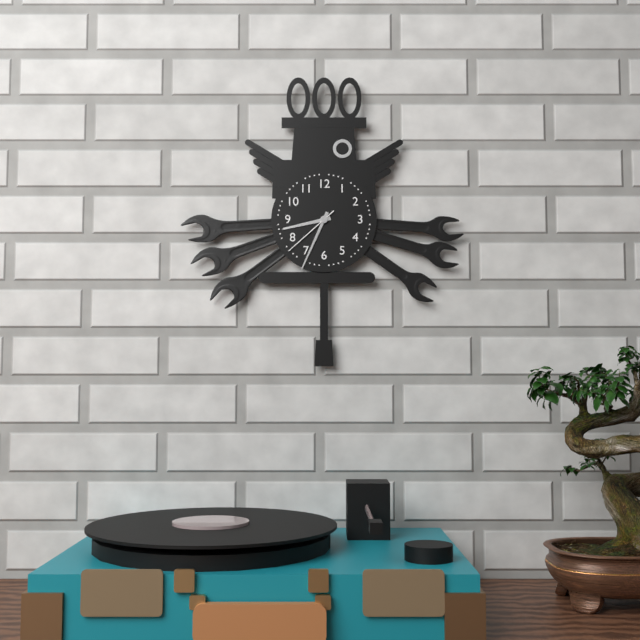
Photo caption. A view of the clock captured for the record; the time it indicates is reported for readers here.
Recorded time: 8:34:38
